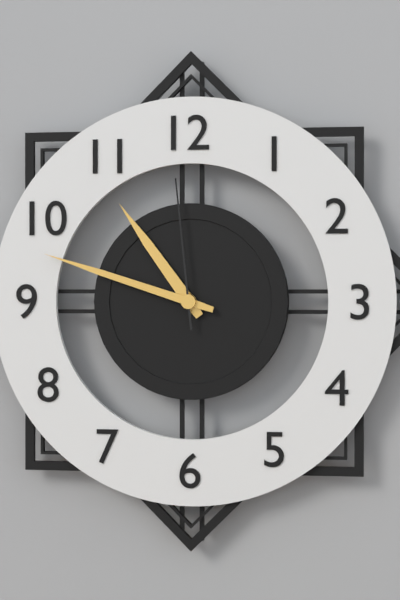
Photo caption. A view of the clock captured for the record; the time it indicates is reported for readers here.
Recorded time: 10:48:59
